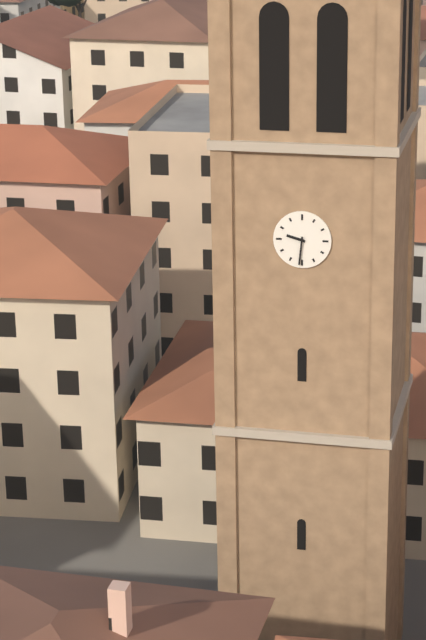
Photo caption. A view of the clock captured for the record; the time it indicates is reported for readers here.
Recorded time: 9:31
